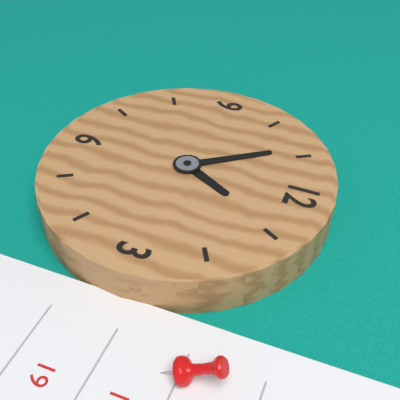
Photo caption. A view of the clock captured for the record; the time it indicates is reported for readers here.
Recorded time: 12:54
